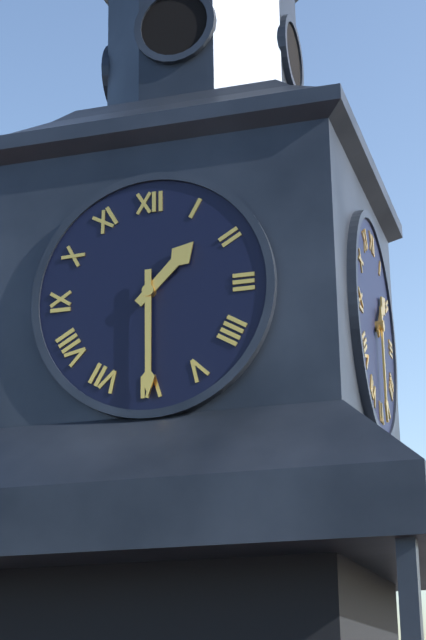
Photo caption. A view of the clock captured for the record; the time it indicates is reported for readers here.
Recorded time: 1:30
